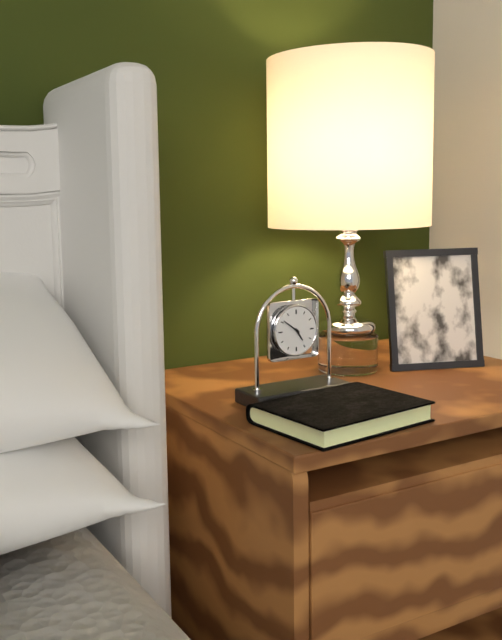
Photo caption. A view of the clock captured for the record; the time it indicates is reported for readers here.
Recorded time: 4:51
